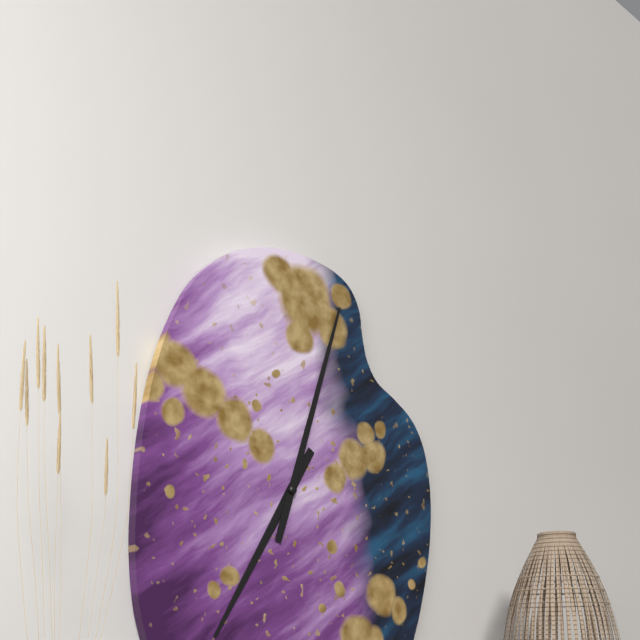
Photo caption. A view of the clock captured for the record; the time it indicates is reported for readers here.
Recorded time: 7:03
